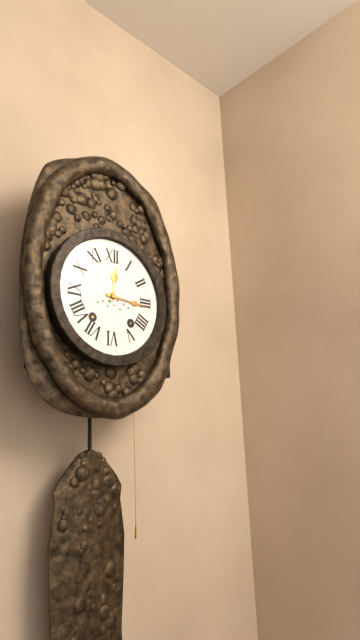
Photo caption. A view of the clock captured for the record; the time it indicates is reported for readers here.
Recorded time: 12:16
